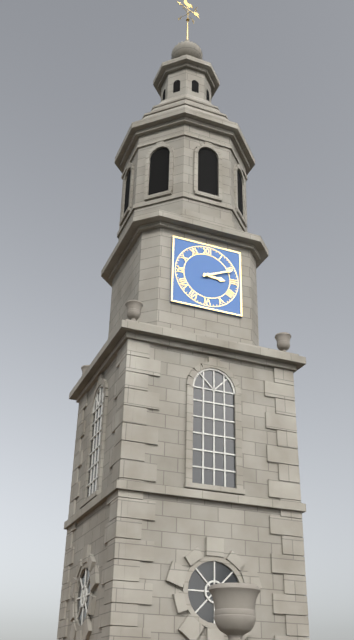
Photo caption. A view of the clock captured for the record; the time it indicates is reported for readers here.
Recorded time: 3:11
